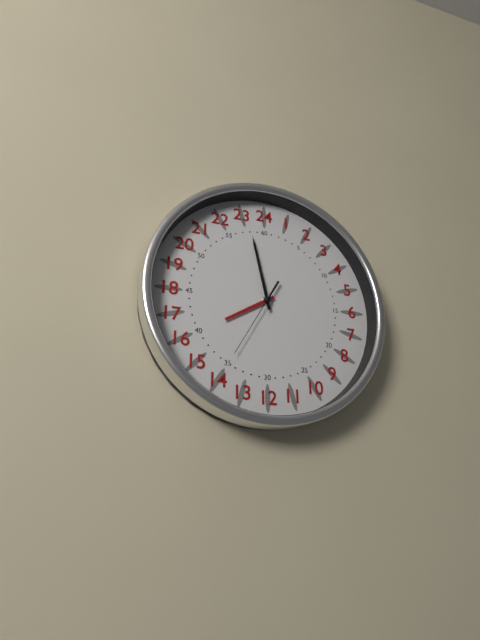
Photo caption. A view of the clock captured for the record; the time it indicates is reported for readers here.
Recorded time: 7:58:35
